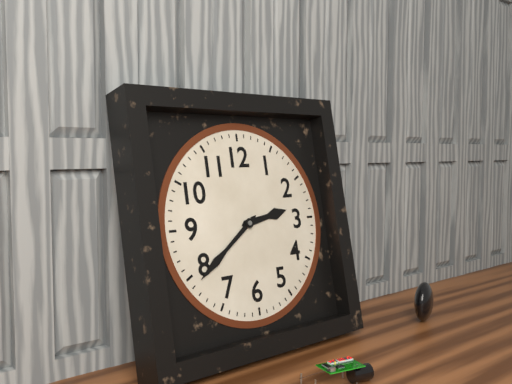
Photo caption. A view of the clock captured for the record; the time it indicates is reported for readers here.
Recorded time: 2:39
